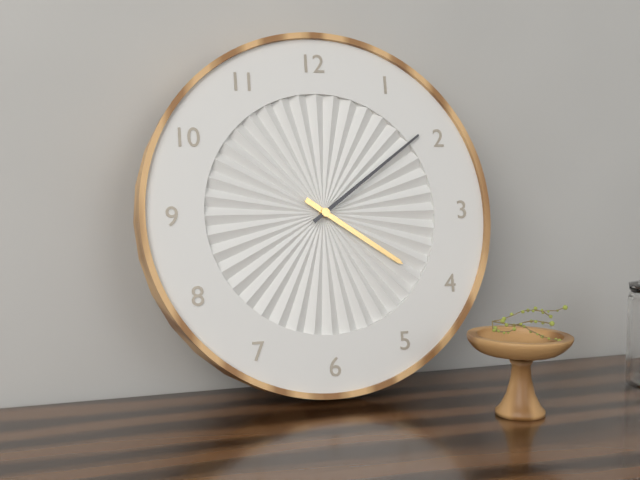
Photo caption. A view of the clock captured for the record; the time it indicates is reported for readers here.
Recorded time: 4:09
